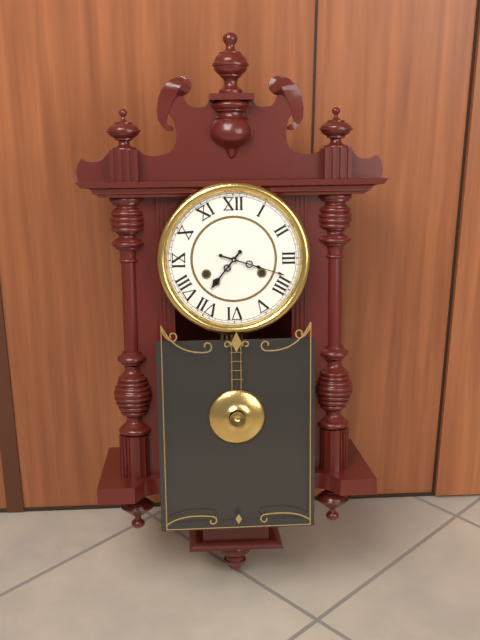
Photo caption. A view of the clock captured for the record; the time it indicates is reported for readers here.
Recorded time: 7:18
